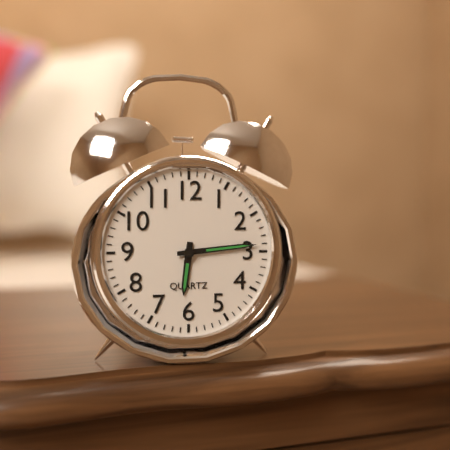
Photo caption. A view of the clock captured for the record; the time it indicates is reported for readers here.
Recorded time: 6:14
